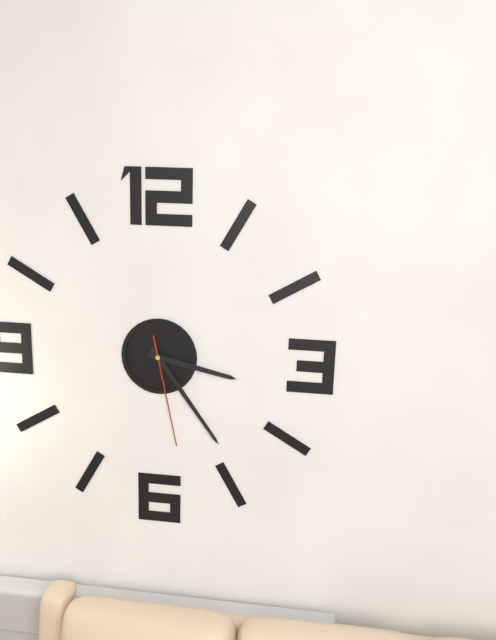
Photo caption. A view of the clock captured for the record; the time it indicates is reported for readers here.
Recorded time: 3:24:28
